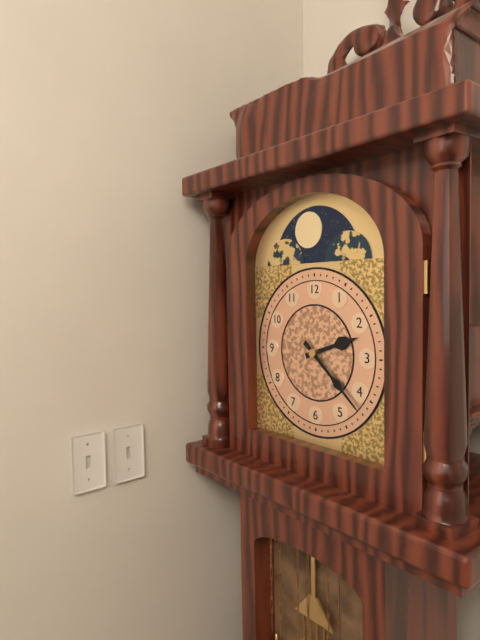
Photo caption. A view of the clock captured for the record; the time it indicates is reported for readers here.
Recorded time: 2:22
